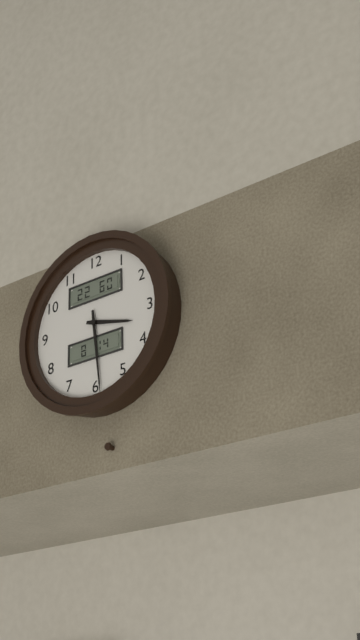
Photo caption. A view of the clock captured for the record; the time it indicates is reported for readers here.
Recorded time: 3:29
